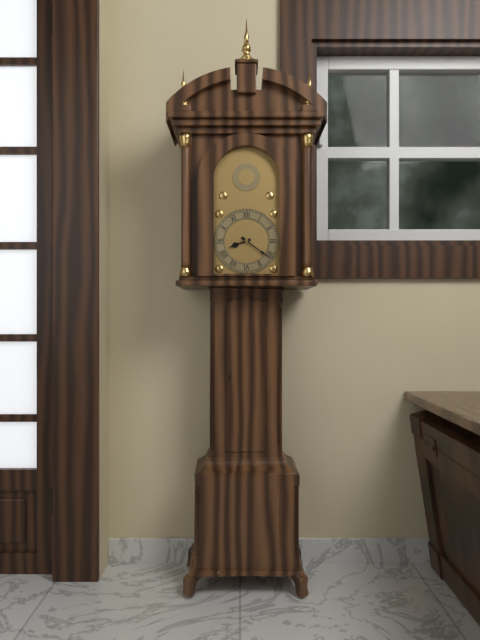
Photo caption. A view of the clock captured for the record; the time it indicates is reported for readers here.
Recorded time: 8:21
